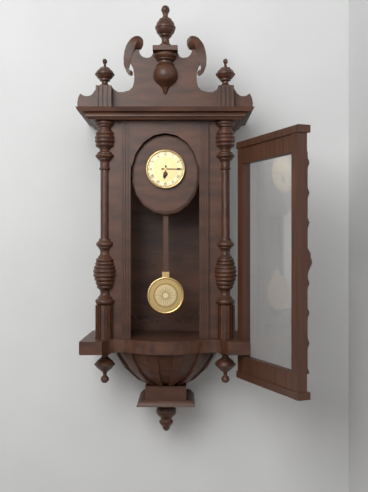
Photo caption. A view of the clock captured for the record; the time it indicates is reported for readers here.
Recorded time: 6:15
